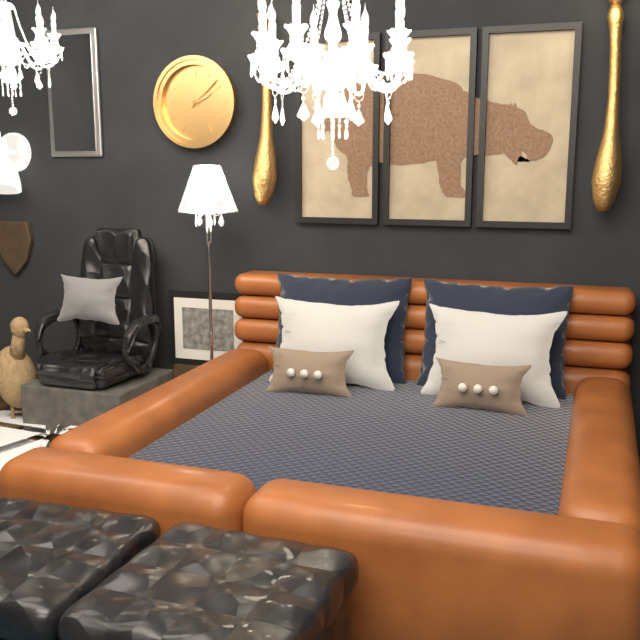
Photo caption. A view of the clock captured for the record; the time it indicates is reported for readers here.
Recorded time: 2:08
